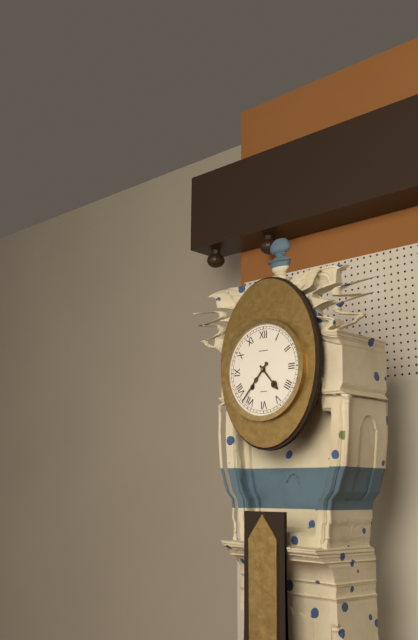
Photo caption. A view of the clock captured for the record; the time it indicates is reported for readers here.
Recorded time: 4:37
